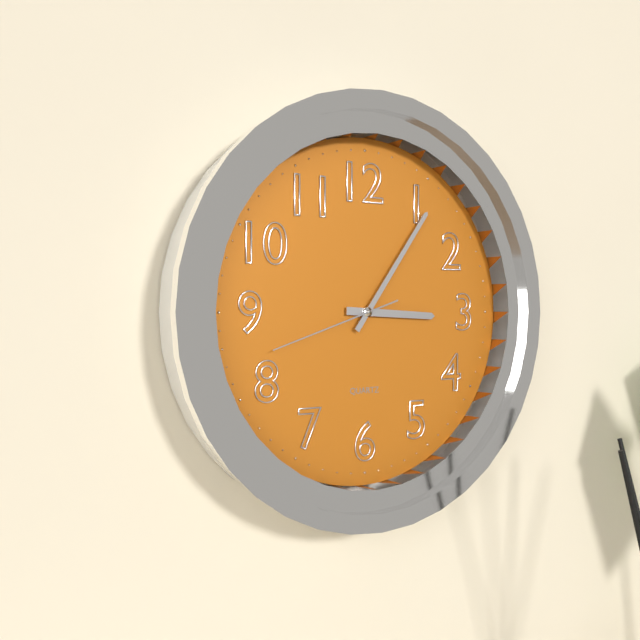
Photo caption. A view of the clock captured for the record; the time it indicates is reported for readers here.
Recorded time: 3:06:42
